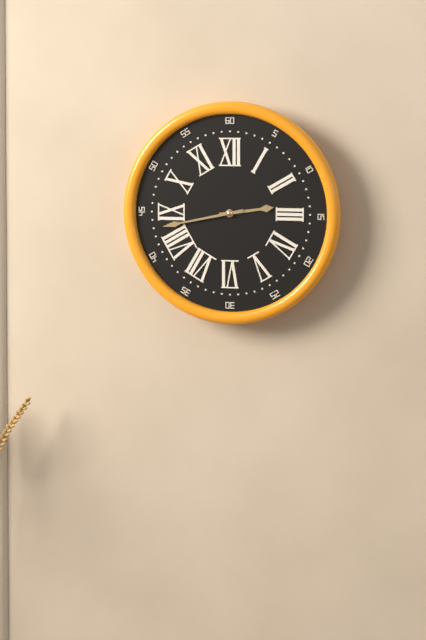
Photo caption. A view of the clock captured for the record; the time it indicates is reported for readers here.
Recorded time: 2:43
